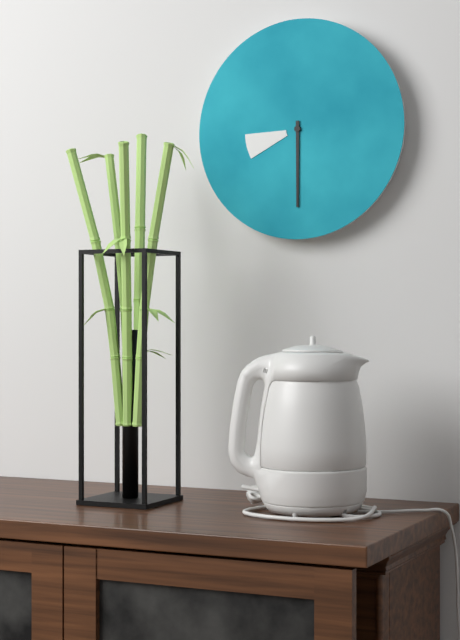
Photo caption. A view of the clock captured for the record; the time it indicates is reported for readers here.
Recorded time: 8:30
